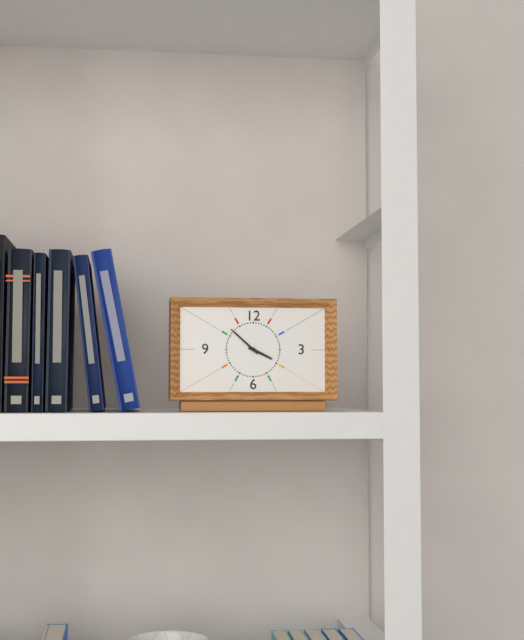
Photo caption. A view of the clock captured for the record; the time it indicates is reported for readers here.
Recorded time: 3:52
